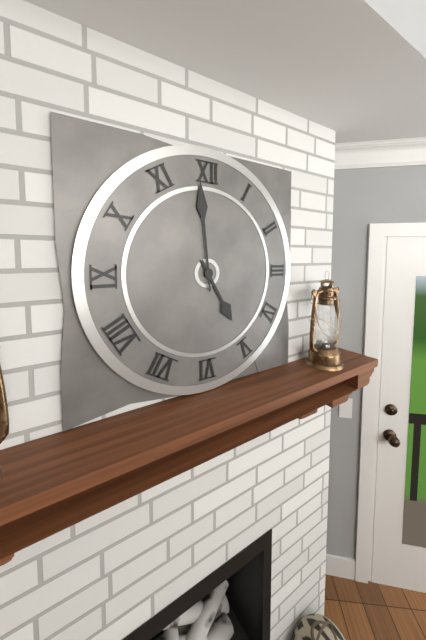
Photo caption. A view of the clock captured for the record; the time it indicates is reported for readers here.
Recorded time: 4:59
